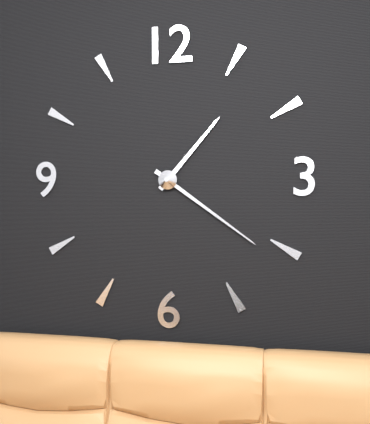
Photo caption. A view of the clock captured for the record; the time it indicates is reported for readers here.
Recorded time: 1:21
